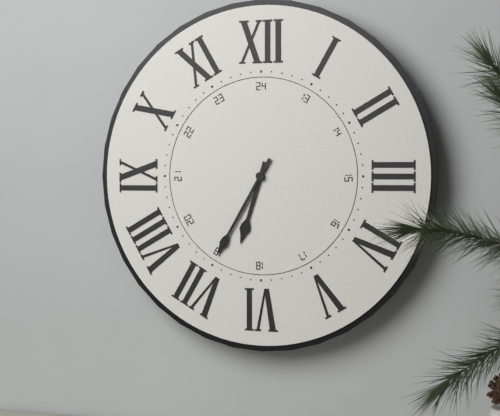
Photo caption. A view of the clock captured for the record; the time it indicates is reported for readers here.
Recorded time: 6:35
